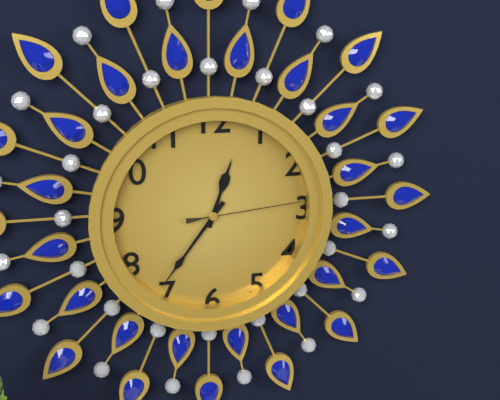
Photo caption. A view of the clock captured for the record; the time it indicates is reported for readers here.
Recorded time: 12:36:14
